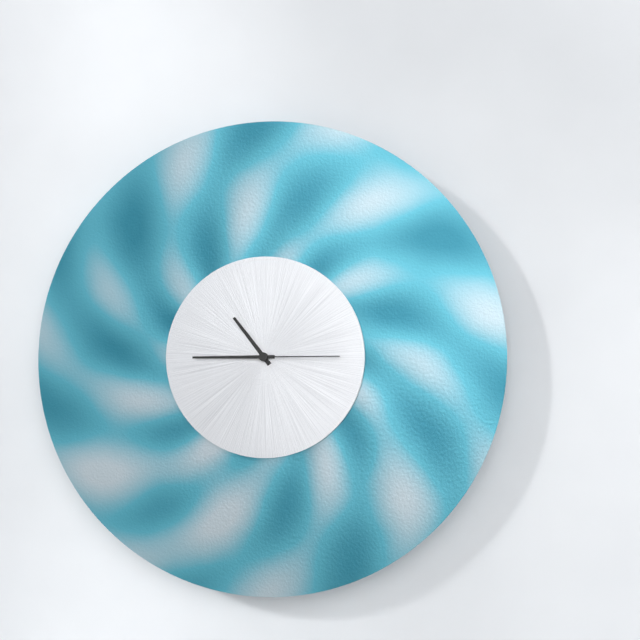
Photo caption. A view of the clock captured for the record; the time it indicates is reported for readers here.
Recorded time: 10:45:15
